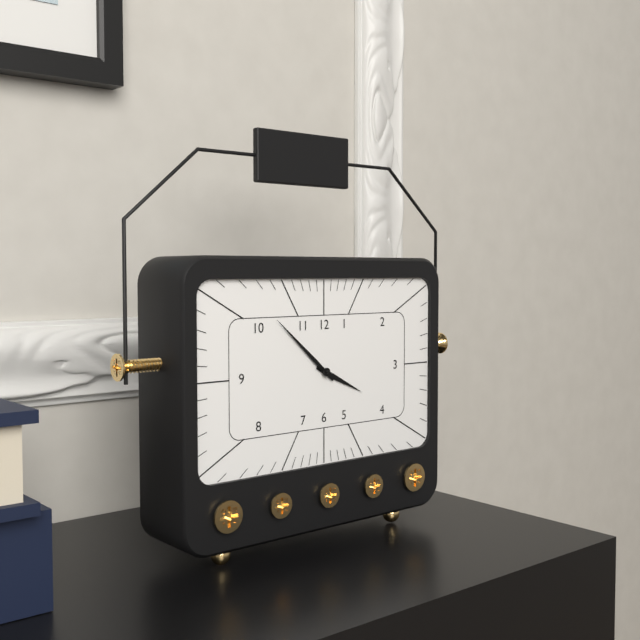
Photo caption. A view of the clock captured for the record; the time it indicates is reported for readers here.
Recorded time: 3:52
